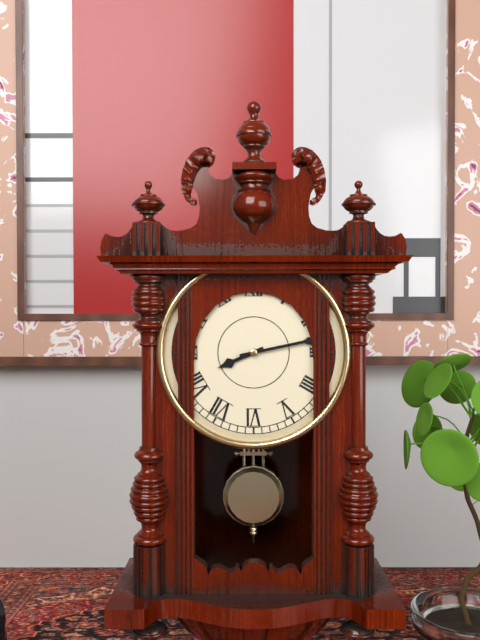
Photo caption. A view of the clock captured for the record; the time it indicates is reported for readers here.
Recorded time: 8:13
